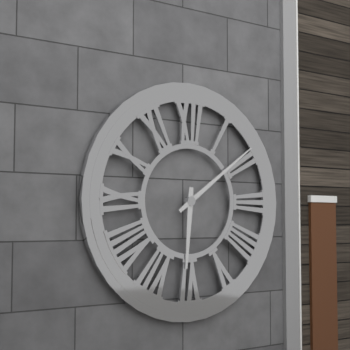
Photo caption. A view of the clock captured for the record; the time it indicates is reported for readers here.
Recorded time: 6:09
